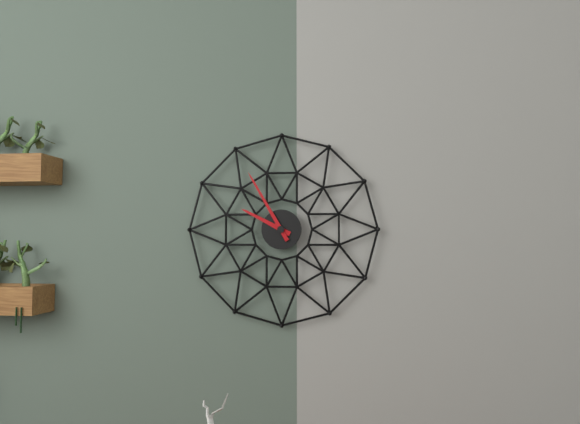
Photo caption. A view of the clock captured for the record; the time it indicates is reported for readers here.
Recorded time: 9:55
